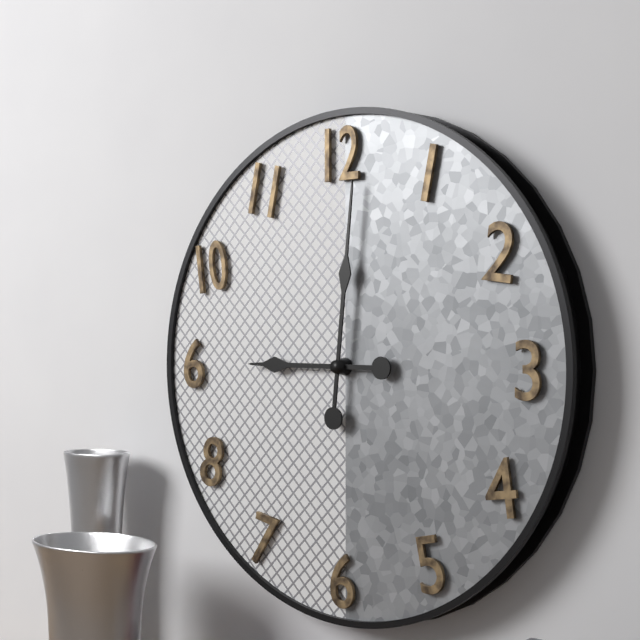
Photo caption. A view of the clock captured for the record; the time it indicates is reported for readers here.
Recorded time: 9:01
